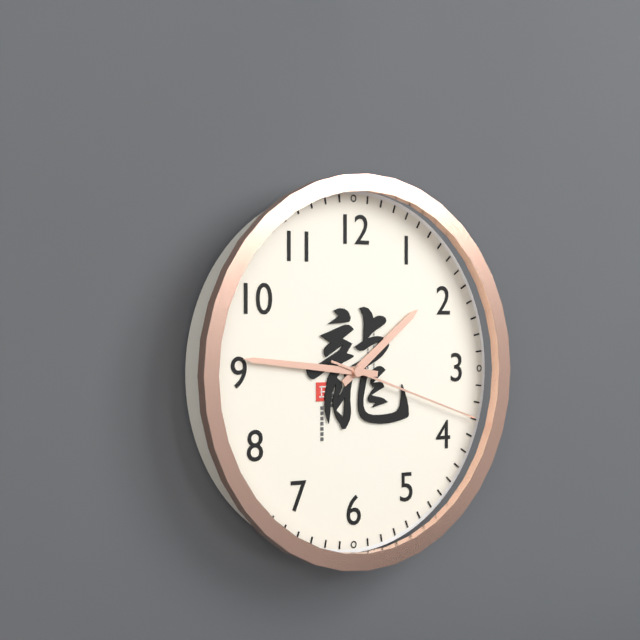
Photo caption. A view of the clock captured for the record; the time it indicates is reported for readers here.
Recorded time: 1:46:18
